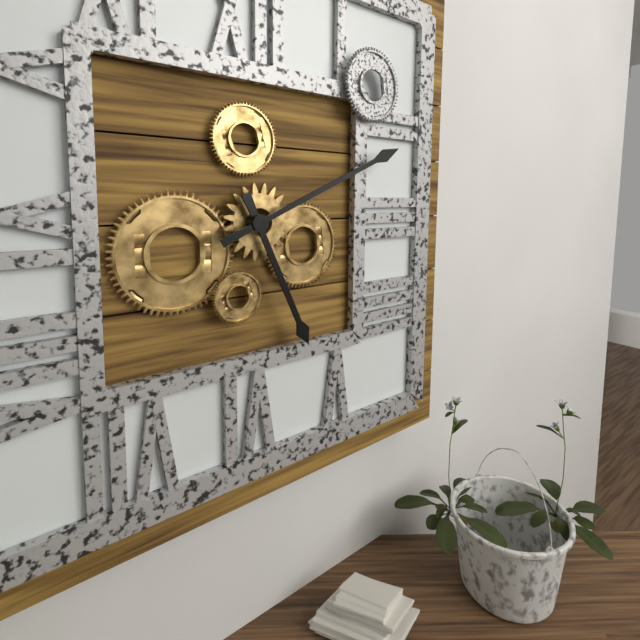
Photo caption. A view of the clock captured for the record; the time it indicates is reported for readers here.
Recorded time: 5:11
